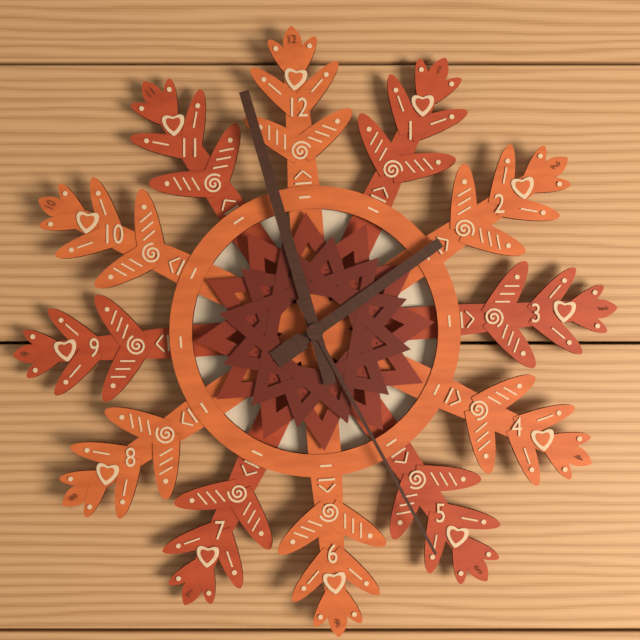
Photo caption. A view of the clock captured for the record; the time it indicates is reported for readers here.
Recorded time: 1:58:26
